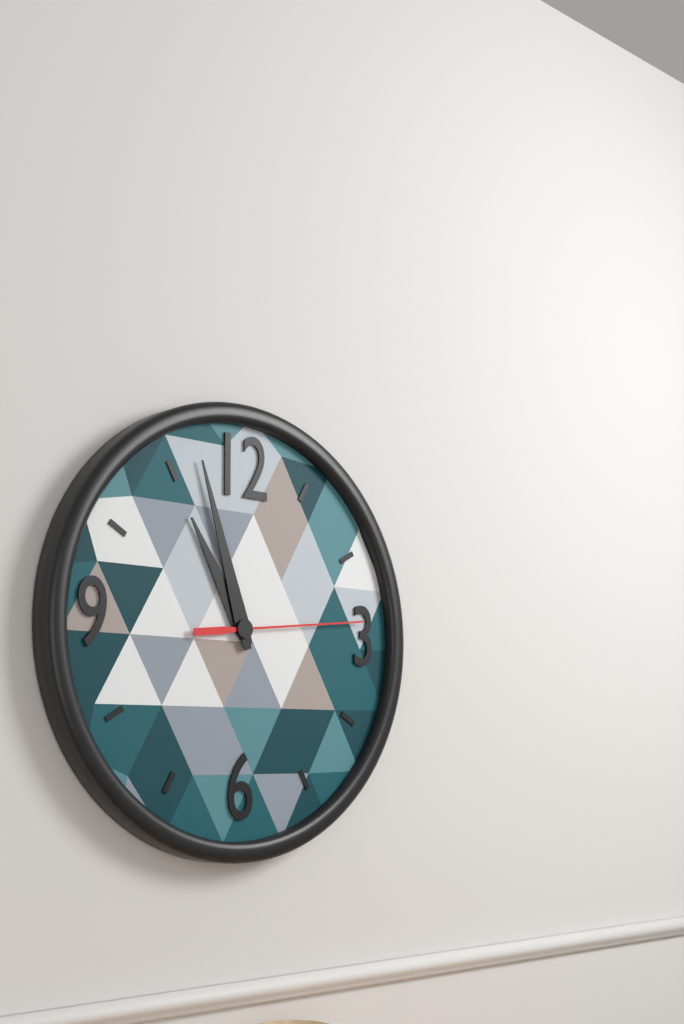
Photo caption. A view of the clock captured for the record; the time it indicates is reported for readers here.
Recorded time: 10:57:14
